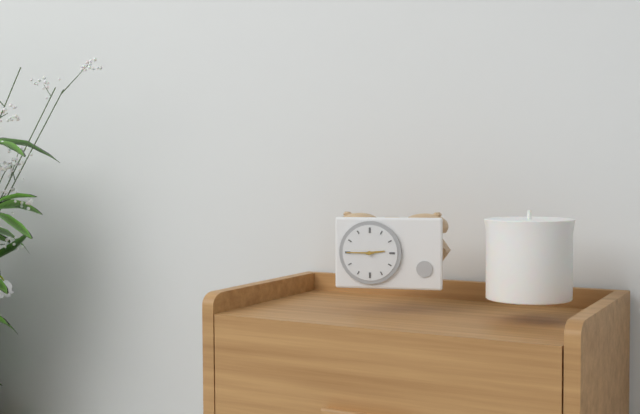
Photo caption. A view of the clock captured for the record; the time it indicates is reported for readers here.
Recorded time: 2:45
